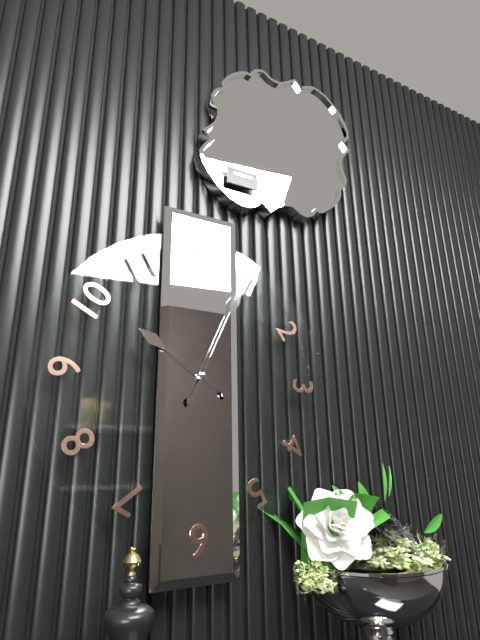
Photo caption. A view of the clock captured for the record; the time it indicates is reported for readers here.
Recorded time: 10:04
